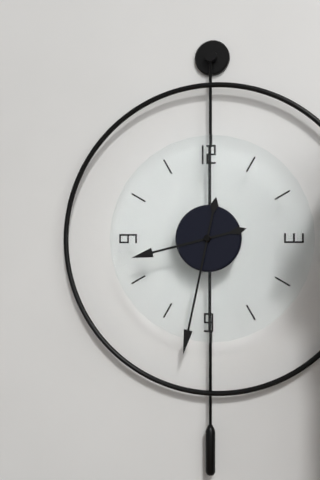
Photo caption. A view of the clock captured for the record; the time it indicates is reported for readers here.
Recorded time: 8:32
